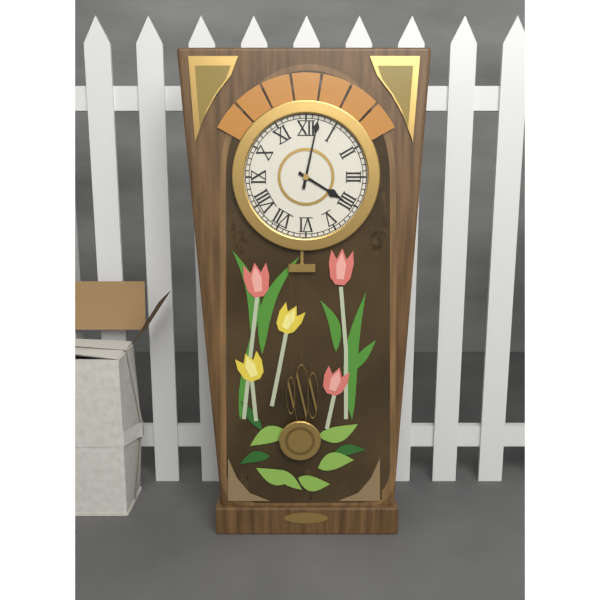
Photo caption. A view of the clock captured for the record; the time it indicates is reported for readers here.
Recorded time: 4:02
